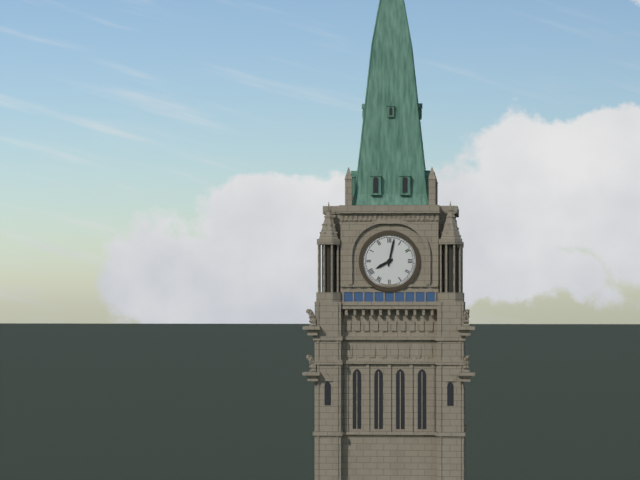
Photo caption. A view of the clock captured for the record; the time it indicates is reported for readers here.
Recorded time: 8:02
